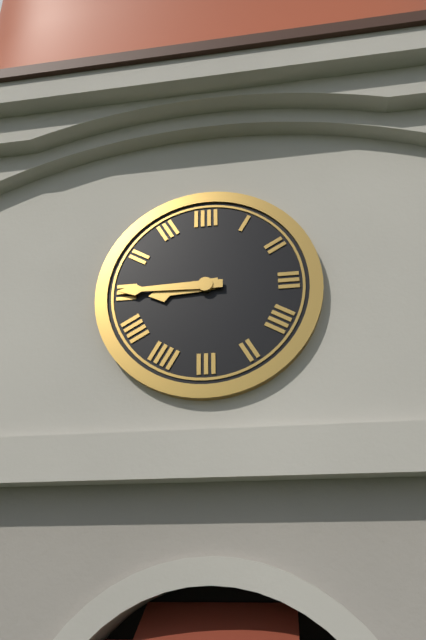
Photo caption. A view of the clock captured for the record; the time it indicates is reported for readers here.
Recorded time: 8:45
